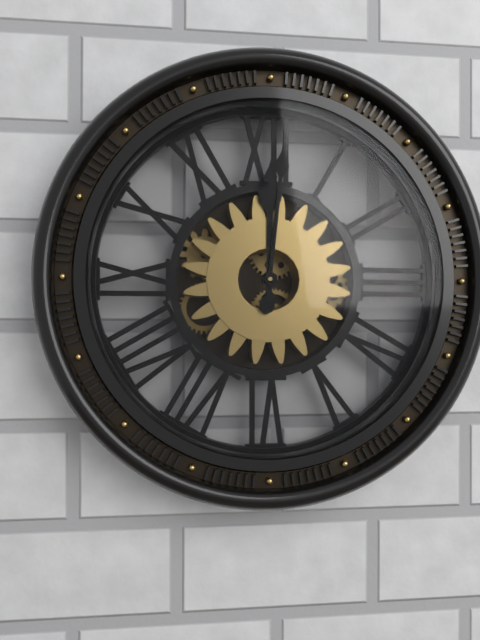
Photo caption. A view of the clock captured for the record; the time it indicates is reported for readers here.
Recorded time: 12:01
